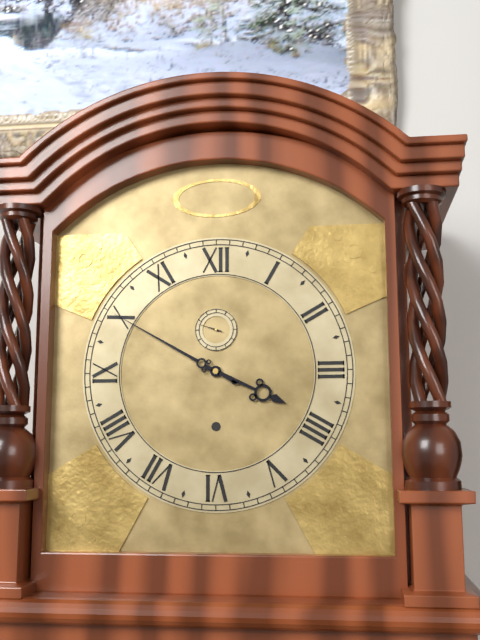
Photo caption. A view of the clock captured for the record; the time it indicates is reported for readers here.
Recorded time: 3:50
